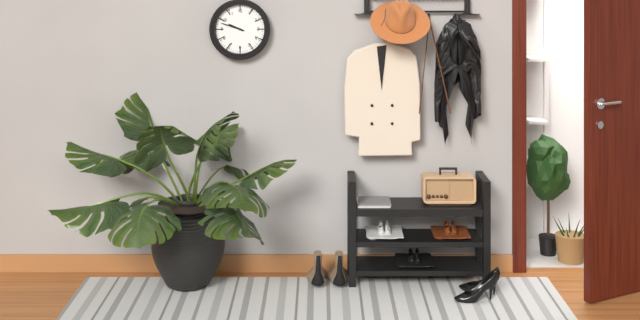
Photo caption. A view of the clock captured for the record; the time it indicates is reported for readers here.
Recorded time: 9:48
